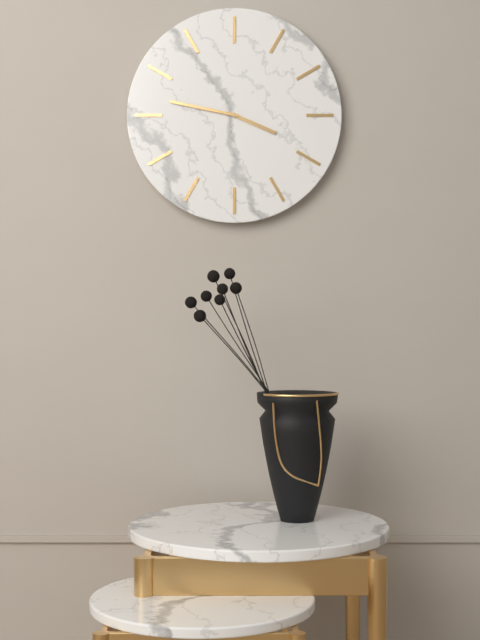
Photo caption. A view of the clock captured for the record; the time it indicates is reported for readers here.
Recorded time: 3:47
